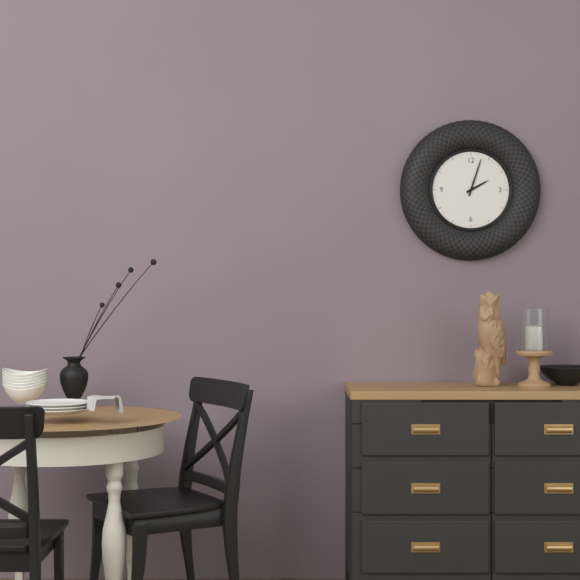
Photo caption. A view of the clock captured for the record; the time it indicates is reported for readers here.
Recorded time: 2:03
